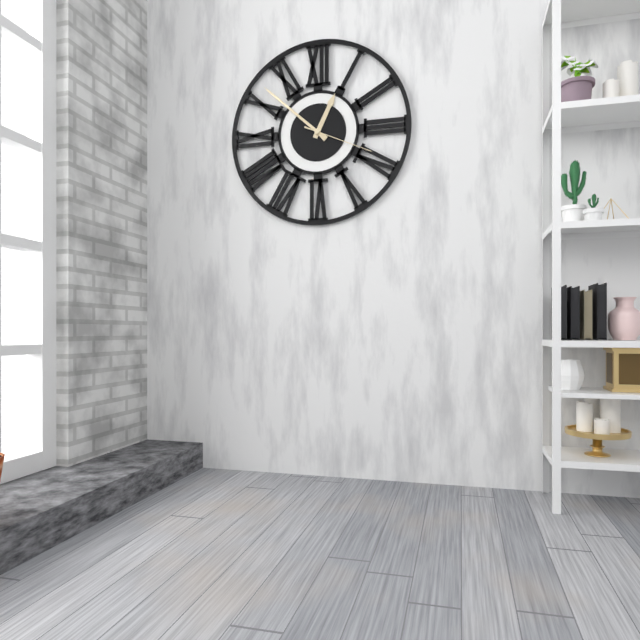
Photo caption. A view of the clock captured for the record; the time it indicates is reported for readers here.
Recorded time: 12:52:19
